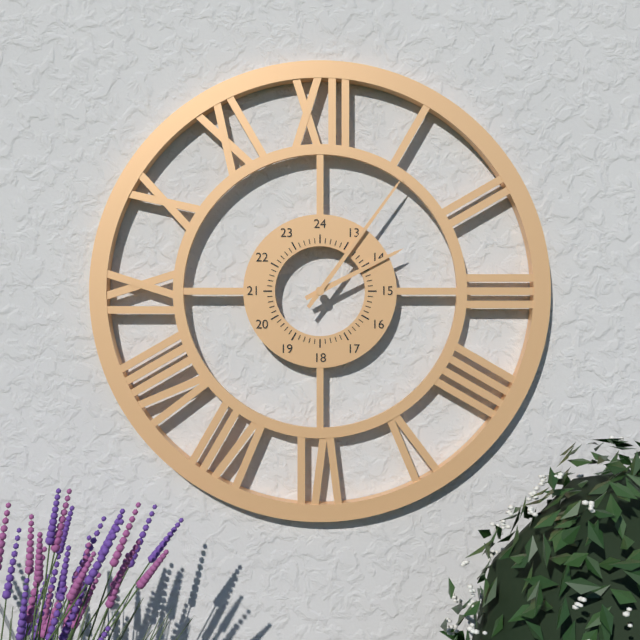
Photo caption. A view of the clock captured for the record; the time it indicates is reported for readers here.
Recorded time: 2:06
